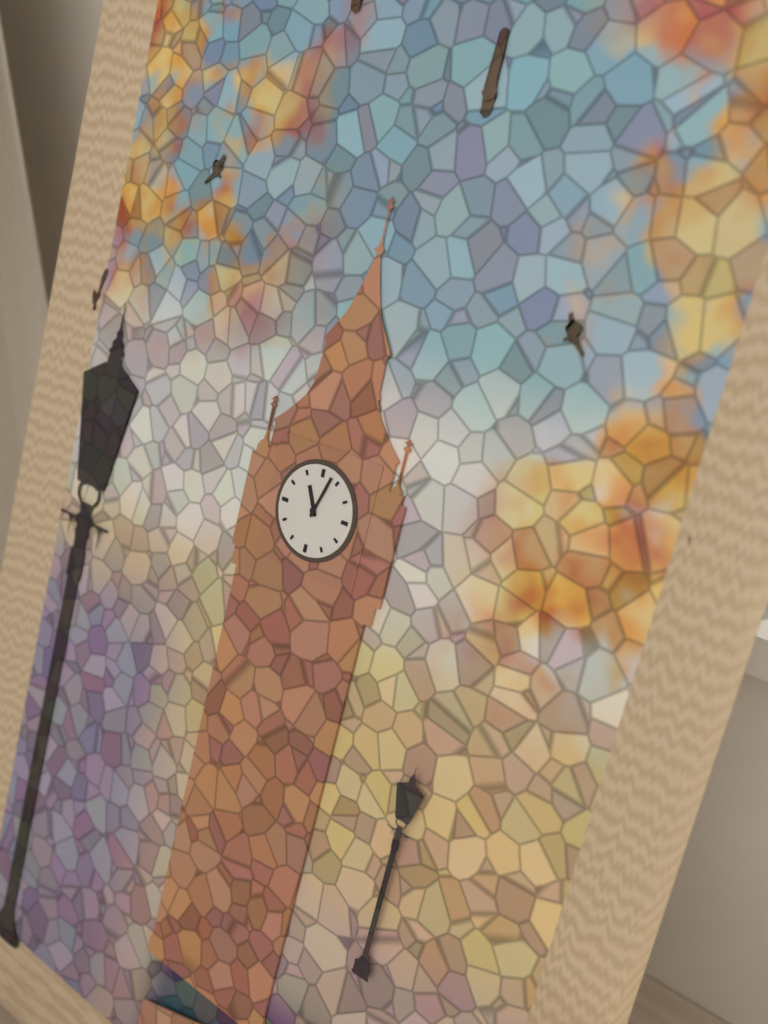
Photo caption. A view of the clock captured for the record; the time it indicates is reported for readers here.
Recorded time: 11:03
